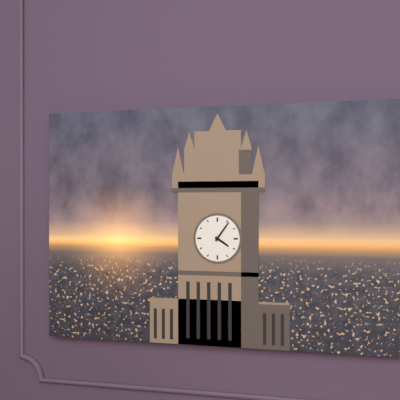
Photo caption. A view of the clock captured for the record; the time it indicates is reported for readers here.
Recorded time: 4:06
